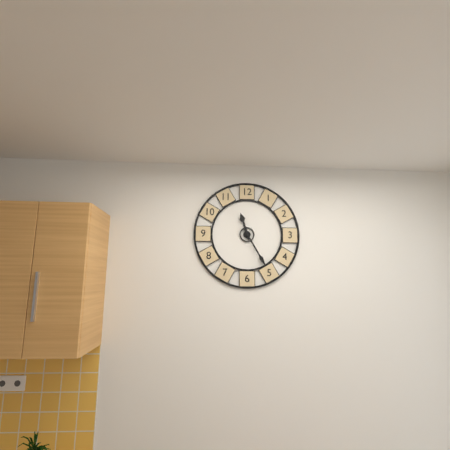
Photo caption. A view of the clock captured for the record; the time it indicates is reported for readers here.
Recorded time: 11:25
